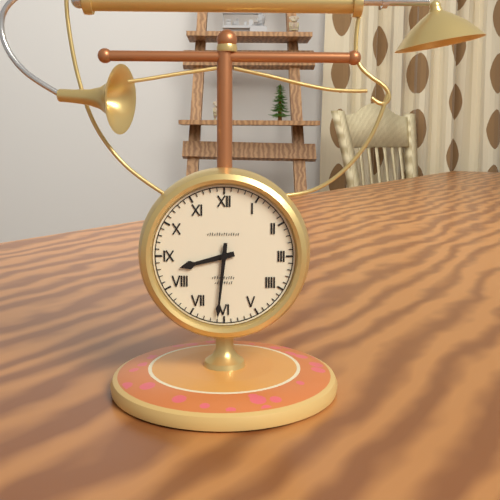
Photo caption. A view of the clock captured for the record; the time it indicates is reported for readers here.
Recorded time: 8:31
